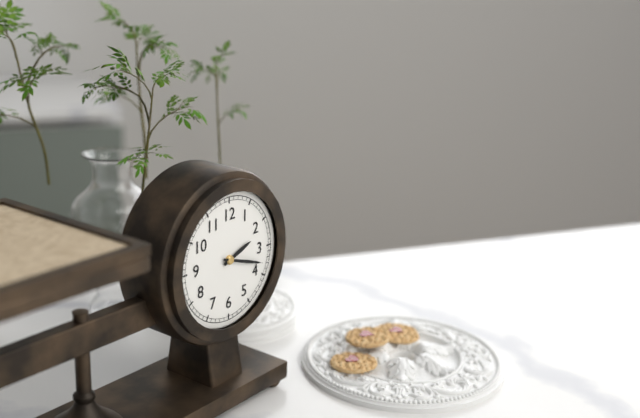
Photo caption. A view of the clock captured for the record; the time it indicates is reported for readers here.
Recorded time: 2:18
